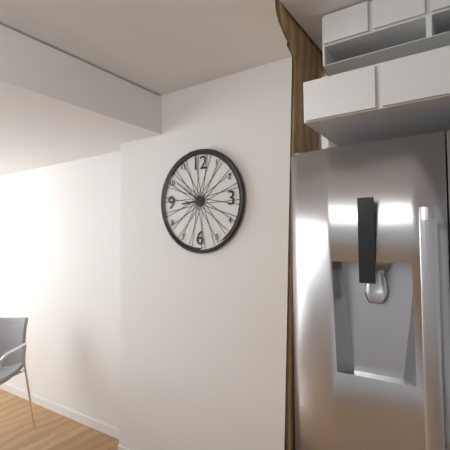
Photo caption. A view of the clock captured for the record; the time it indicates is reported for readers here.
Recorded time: 8:51
